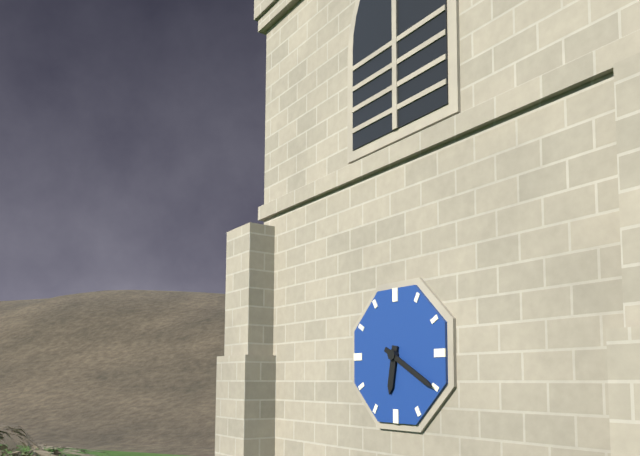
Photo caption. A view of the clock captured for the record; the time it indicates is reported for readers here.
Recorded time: 6:20
